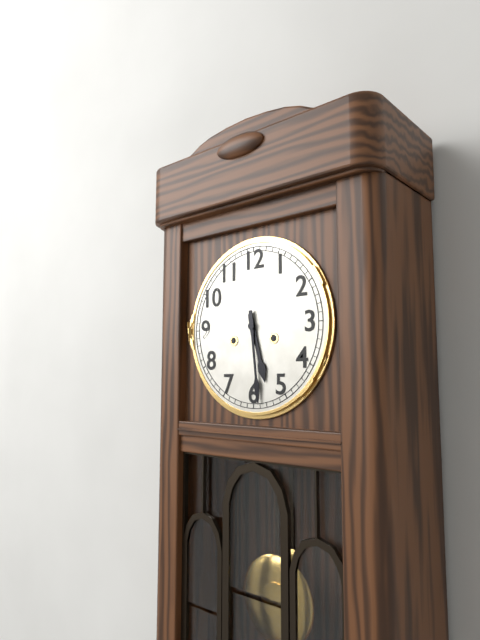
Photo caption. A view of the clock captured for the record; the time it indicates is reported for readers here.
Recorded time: 5:29
